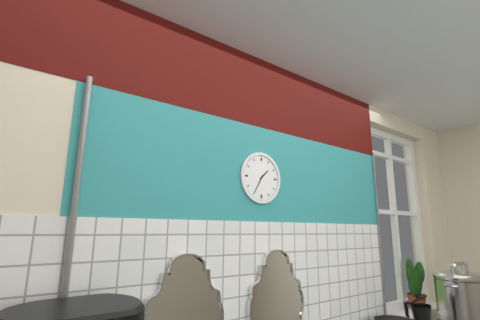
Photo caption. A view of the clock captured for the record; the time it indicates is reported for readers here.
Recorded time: 1:35
